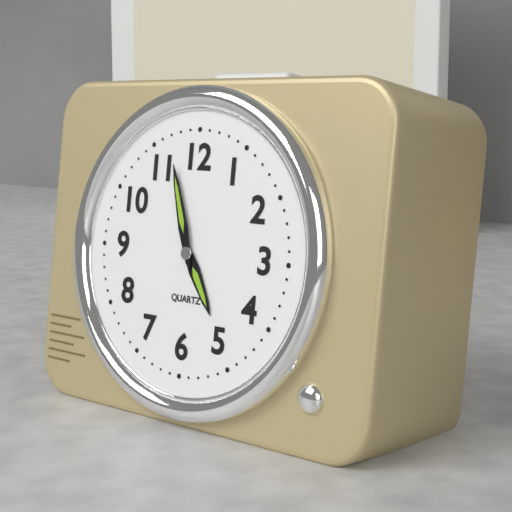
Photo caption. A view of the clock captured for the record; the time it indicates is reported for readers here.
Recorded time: 4:57
